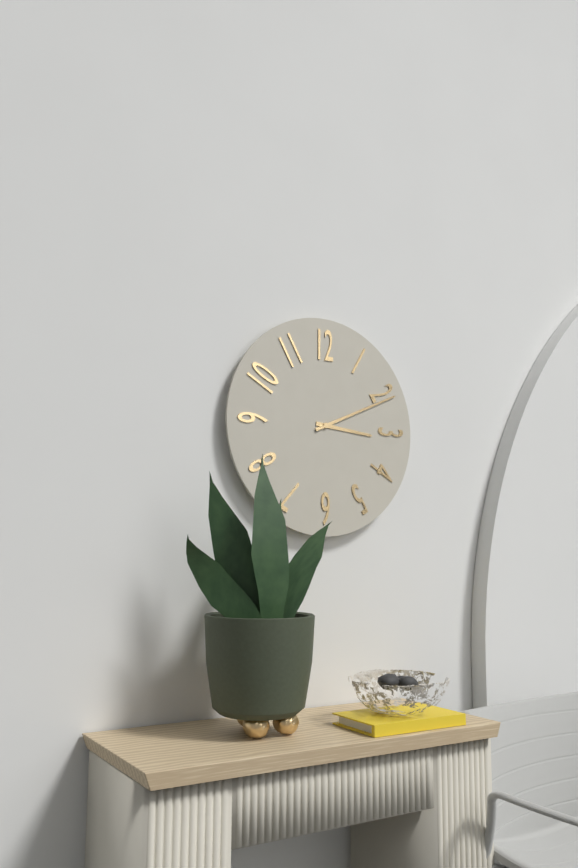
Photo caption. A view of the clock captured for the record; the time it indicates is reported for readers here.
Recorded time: 3:11
